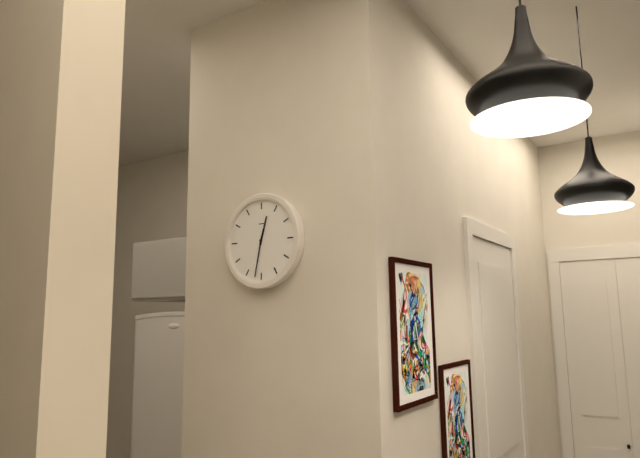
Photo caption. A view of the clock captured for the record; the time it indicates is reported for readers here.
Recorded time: 12:32
